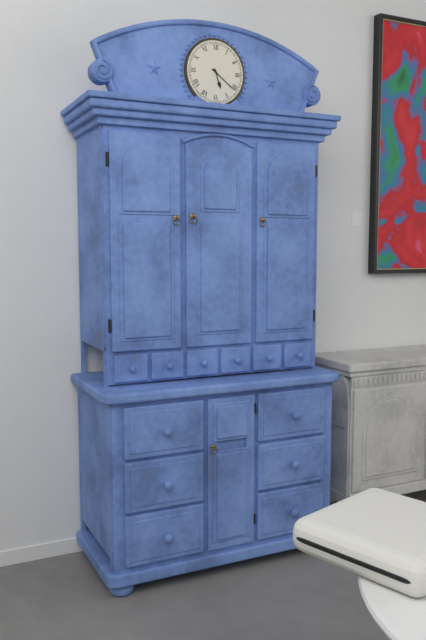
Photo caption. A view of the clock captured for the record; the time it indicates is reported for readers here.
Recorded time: 5:21
